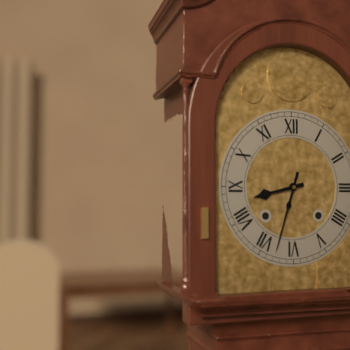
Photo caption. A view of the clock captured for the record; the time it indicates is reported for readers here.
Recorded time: 8:33
